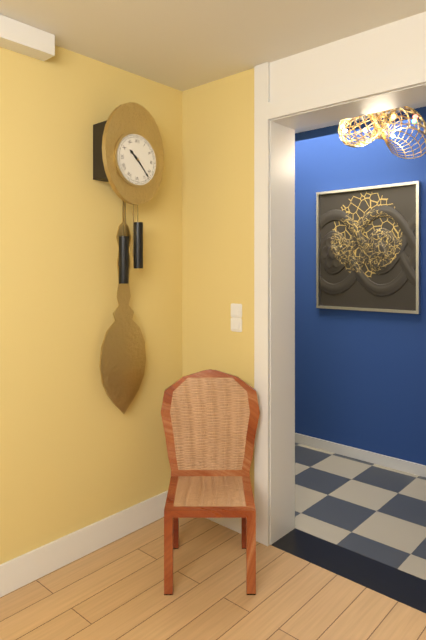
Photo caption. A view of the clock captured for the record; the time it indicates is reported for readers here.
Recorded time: 10:23
